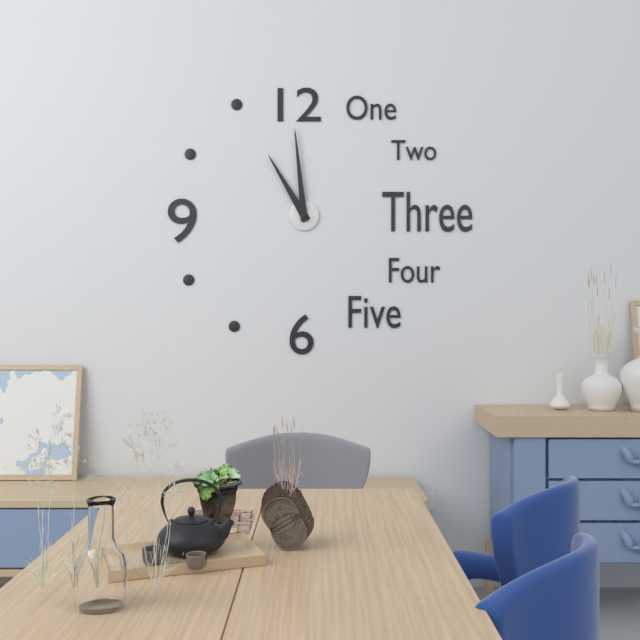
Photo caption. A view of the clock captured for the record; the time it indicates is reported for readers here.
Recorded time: 10:59
